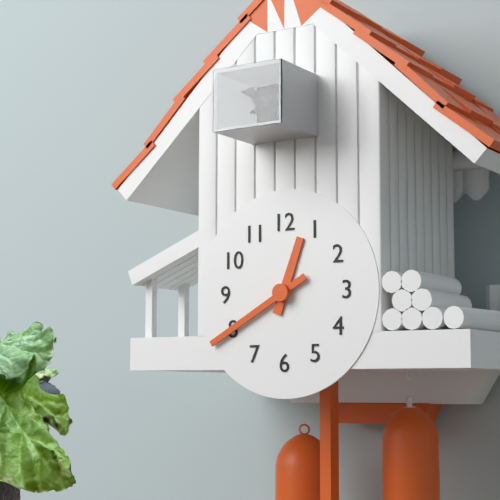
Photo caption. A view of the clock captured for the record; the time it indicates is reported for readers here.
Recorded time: 12:40
